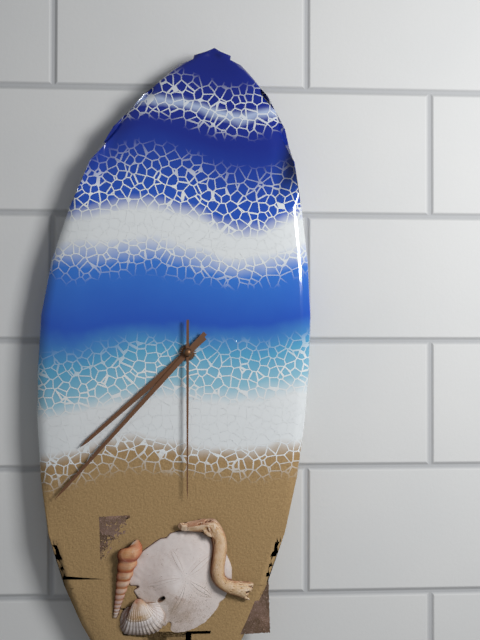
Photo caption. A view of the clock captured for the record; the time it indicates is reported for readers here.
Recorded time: 7:37:30
